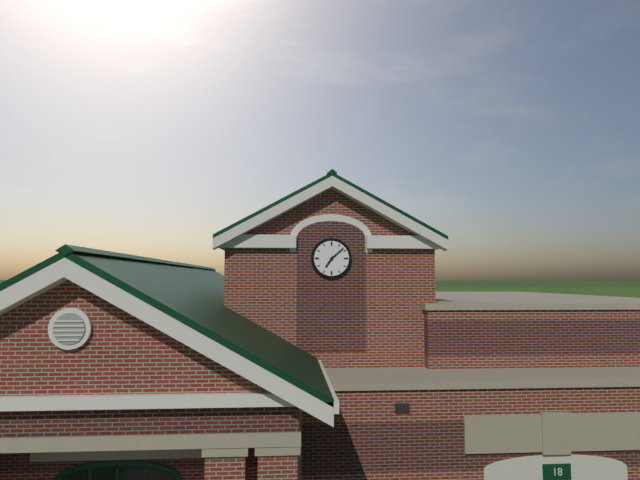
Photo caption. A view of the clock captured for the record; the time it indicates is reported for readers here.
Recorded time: 7:08
